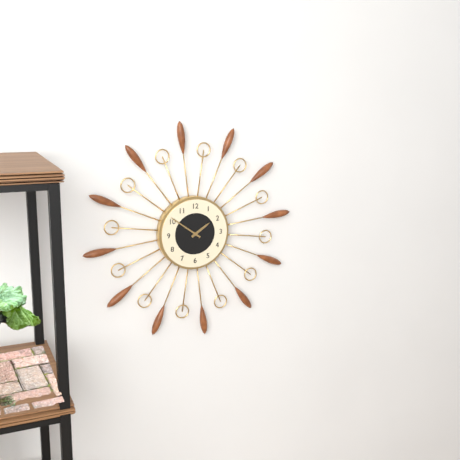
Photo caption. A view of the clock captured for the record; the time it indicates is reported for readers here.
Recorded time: 1:51
